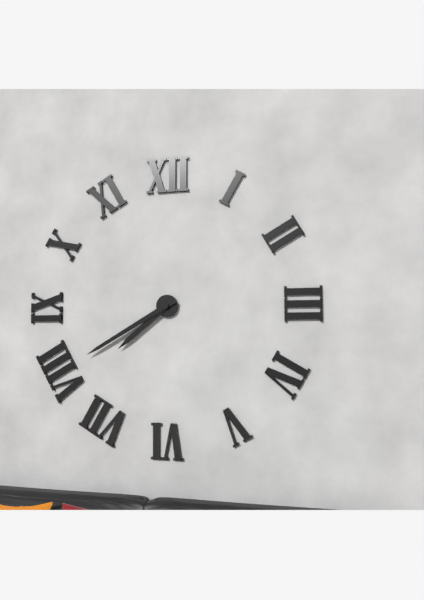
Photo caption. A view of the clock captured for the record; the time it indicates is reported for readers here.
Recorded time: 7:40
